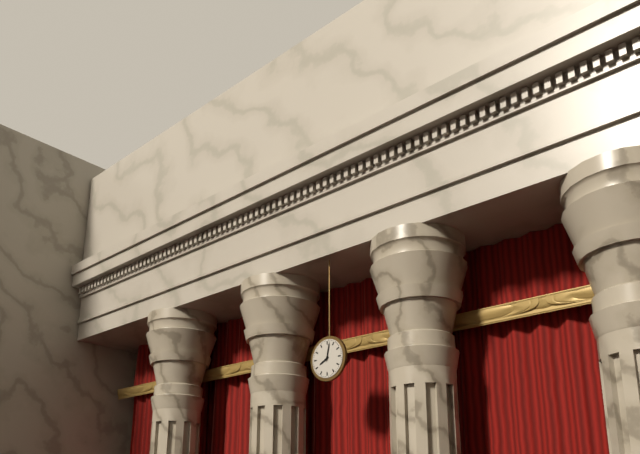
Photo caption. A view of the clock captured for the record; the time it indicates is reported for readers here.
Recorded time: 8:02
